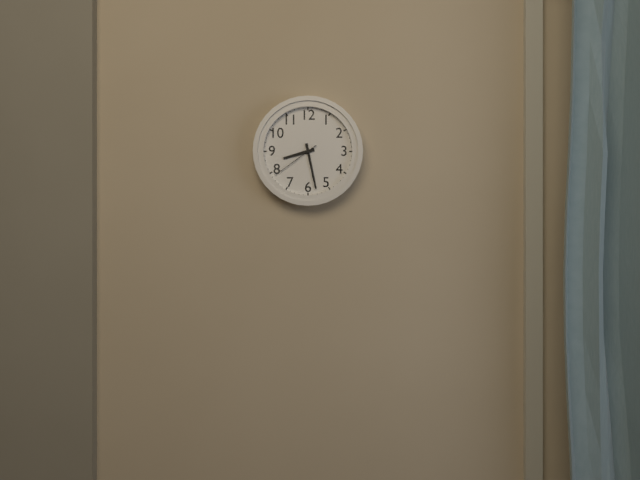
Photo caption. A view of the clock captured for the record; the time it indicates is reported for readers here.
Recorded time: 8:28:39
